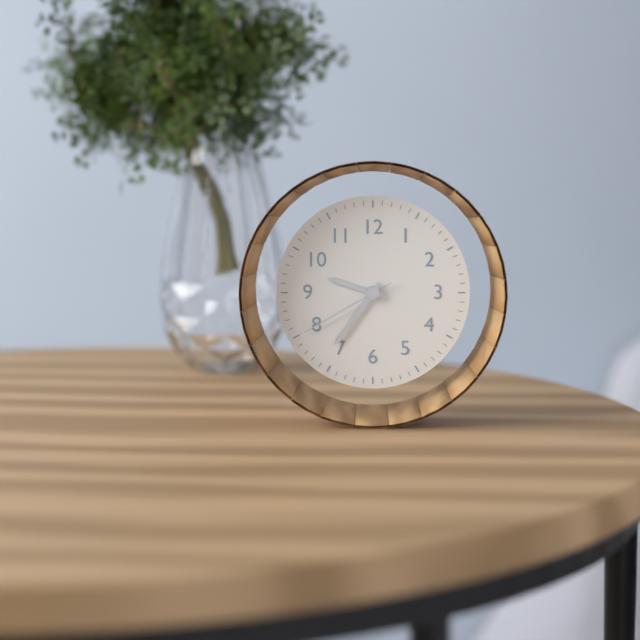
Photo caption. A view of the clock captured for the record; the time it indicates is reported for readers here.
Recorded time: 9:36:40
